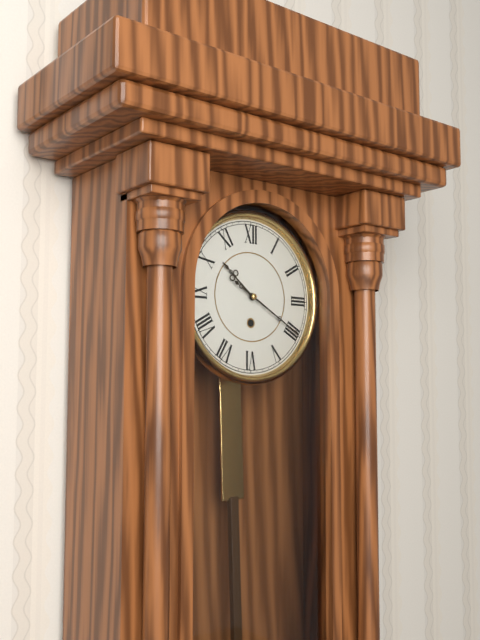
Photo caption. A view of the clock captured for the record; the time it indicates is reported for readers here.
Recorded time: 10:20
